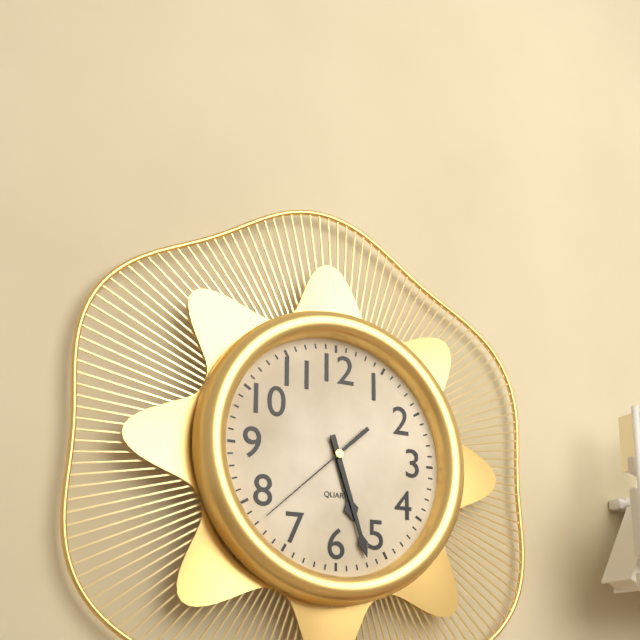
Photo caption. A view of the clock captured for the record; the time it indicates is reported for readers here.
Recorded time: 5:27:38
